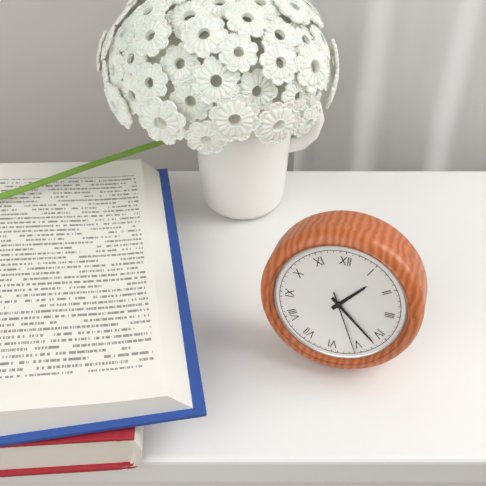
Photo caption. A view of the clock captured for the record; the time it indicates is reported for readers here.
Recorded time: 1:22:26
